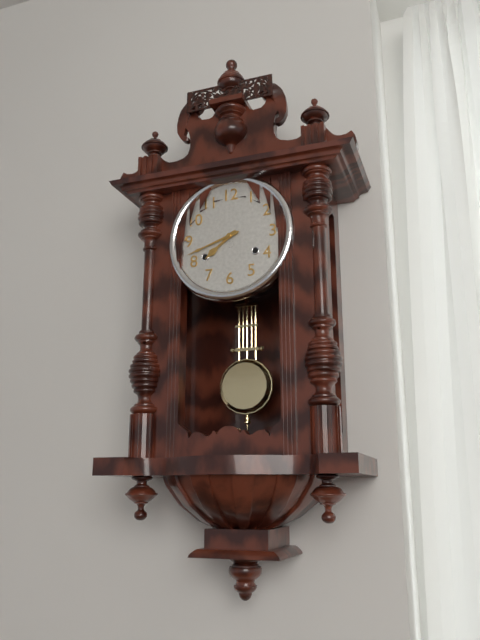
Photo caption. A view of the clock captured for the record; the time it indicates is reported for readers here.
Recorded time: 7:42
